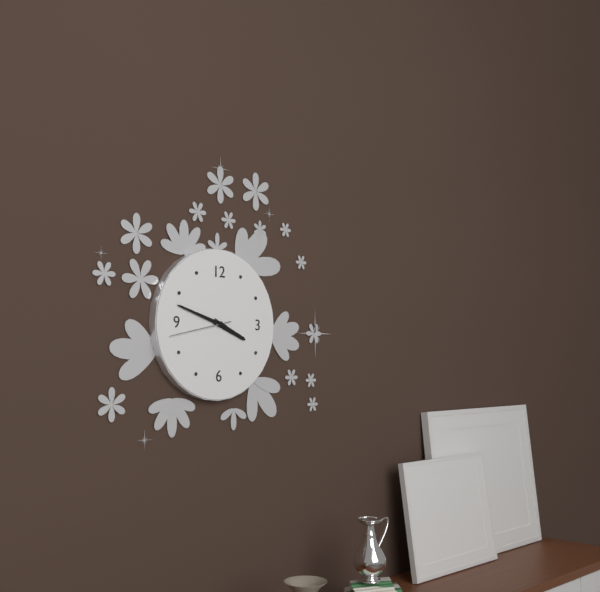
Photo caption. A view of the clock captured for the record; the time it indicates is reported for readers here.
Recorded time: 3:48:43
